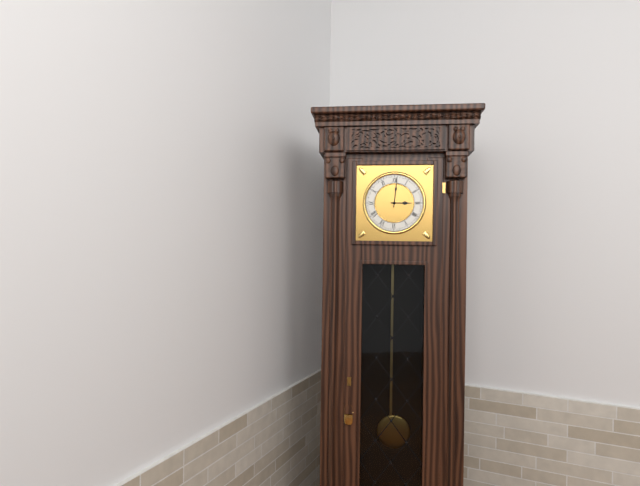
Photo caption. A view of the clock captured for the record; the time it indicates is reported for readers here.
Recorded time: 3:01
